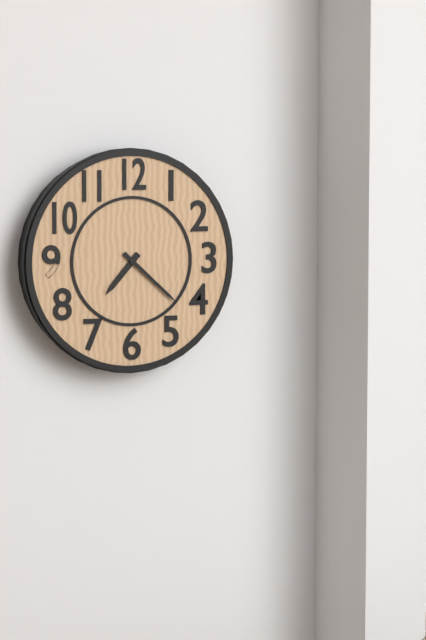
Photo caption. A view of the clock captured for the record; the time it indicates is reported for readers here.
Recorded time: 7:22
